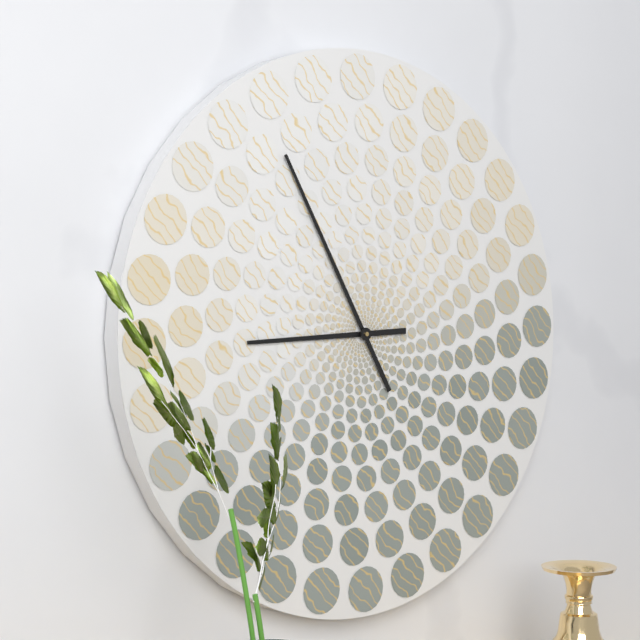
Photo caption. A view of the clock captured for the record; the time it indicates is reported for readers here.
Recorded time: 8:55
